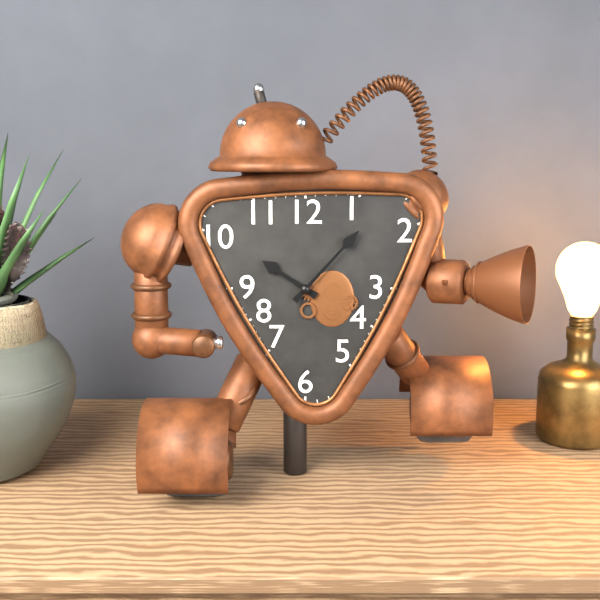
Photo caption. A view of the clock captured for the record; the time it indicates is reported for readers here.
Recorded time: 10:07
